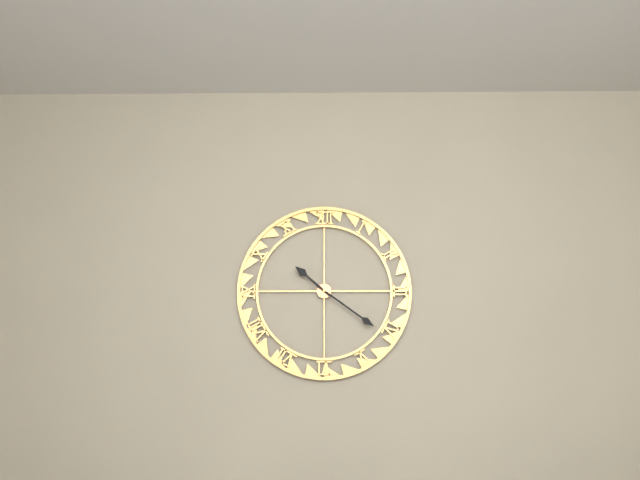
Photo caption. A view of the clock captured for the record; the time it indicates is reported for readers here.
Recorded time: 10:21
